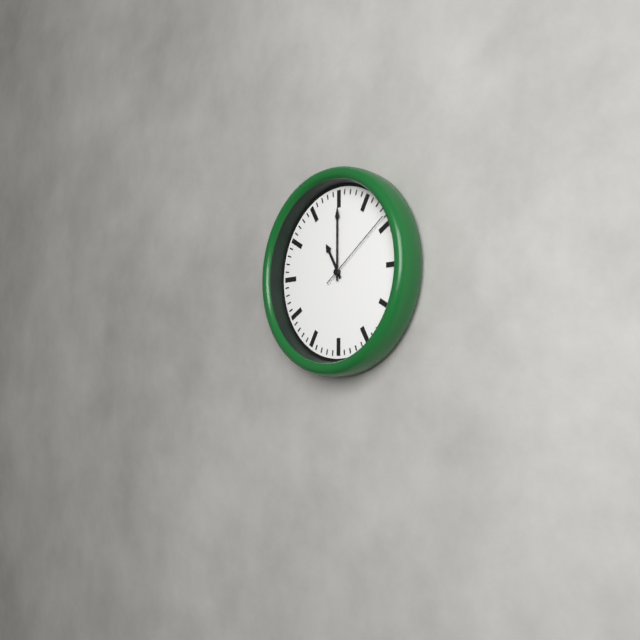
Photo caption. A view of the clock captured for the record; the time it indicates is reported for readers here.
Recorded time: 11:00:09
